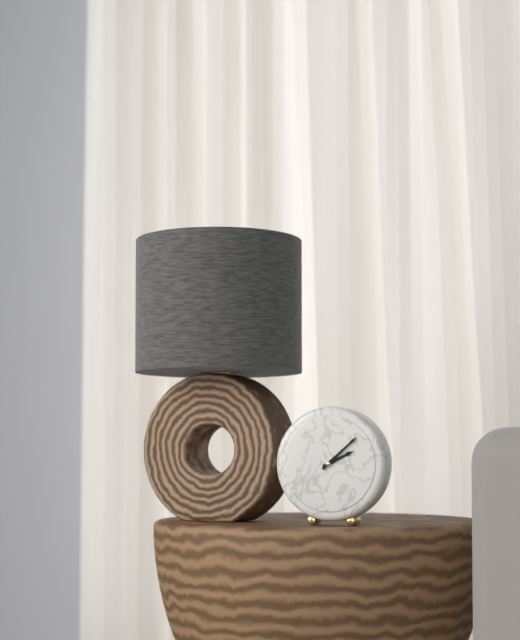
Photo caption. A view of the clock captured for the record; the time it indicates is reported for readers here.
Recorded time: 2:08
